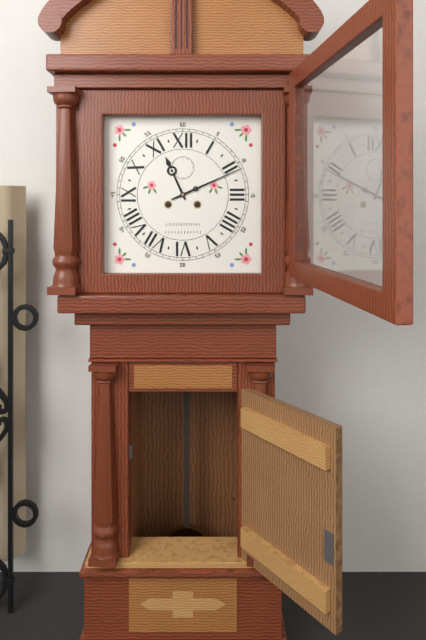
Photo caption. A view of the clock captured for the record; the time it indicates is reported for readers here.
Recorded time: 11:11
